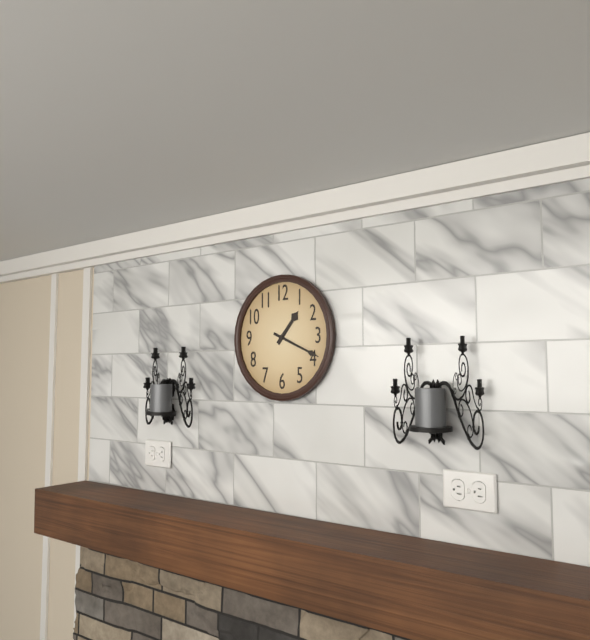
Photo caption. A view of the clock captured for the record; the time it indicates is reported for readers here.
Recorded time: 1:19
